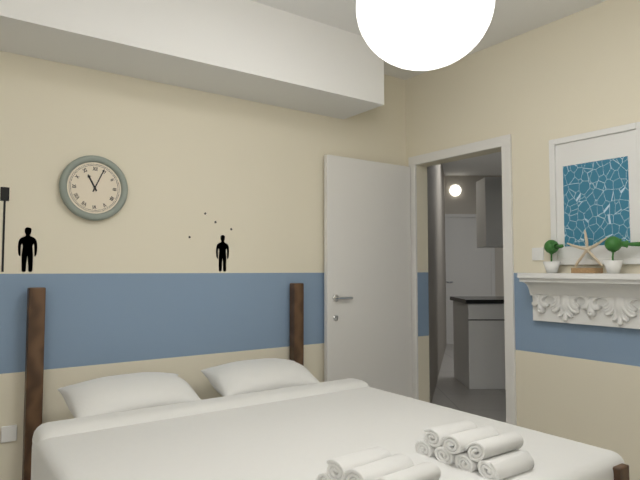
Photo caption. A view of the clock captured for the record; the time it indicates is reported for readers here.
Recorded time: 11:04
